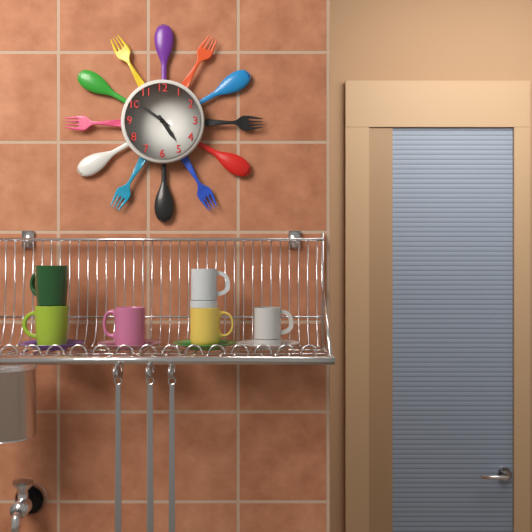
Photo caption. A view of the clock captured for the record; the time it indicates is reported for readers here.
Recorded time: 4:51
